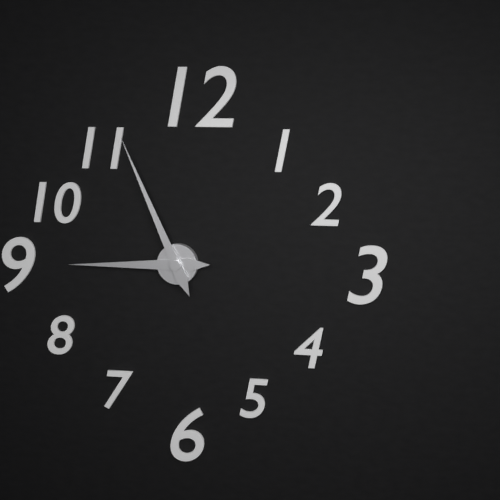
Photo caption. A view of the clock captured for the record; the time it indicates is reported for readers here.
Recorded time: 8:56
